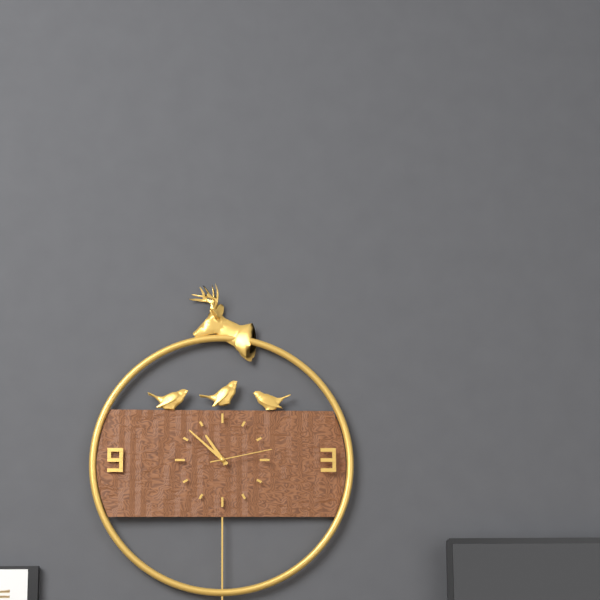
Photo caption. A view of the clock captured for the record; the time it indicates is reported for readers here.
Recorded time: 10:52:13
